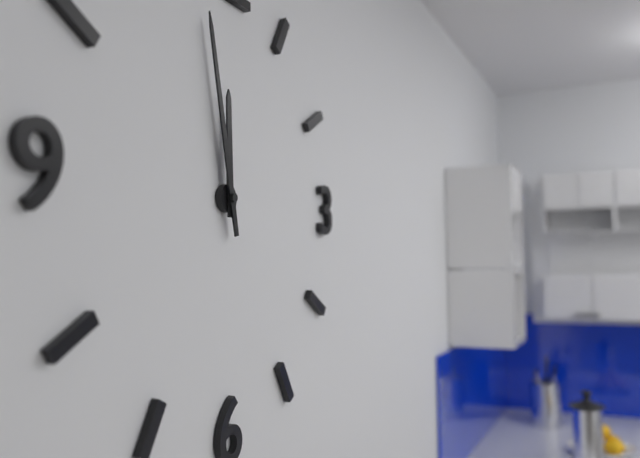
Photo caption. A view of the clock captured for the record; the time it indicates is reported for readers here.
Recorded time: 11:58
